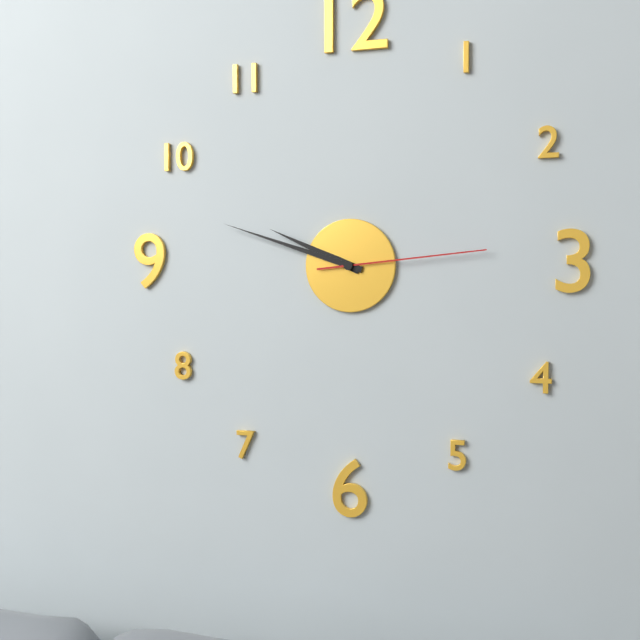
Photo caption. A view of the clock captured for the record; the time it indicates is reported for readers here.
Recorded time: 9:48:14
